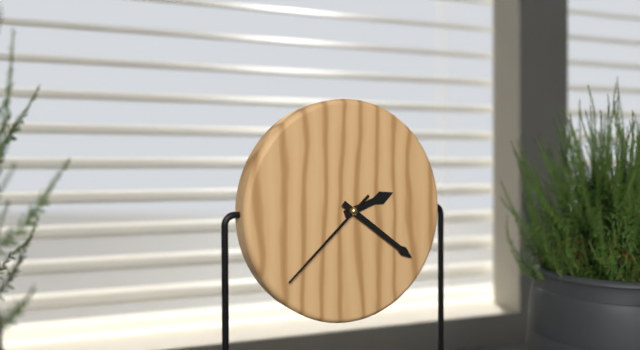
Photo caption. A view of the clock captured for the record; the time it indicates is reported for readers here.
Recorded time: 2:21:38
